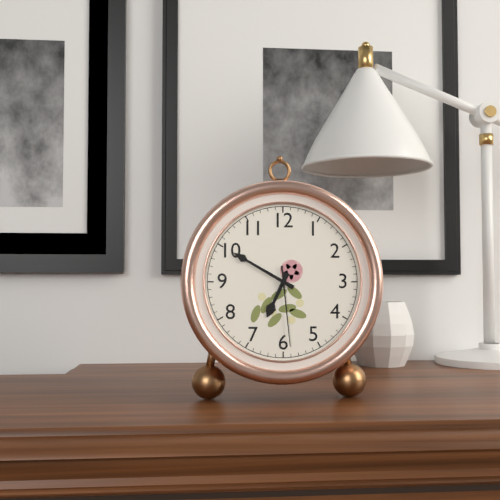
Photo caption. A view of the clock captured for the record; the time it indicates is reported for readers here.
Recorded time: 6:50:29
